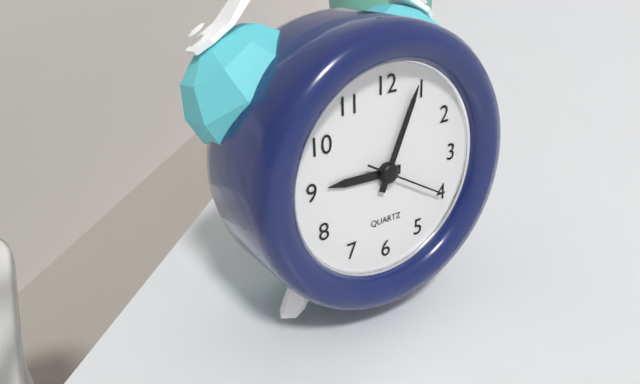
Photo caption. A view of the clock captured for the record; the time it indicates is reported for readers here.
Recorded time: 9:04:20
